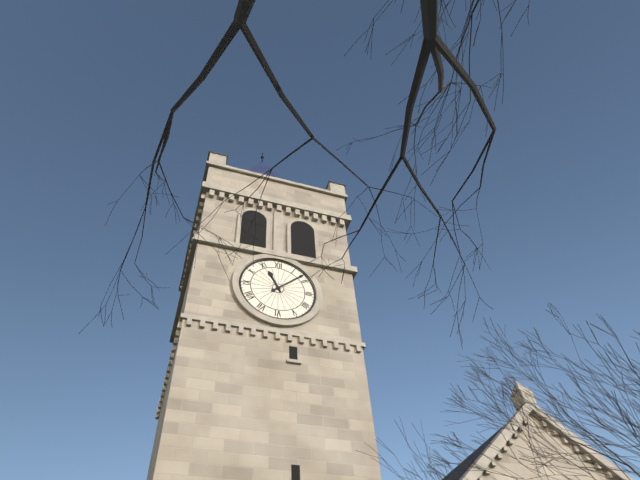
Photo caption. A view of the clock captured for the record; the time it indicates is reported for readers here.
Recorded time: 11:08
